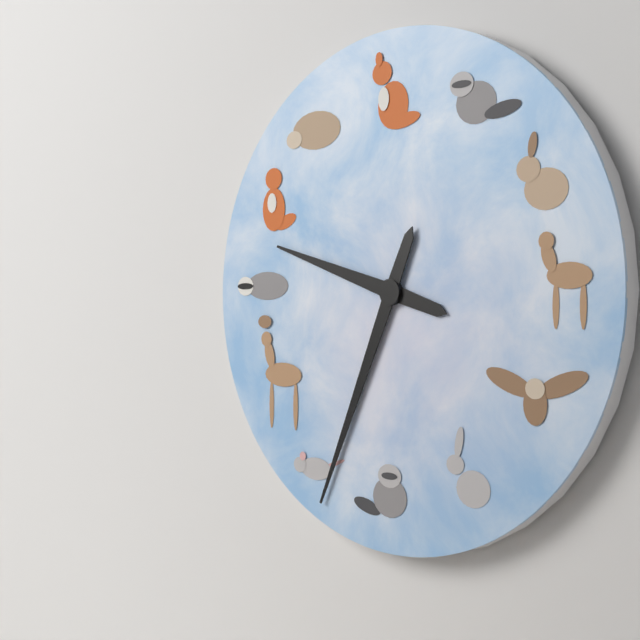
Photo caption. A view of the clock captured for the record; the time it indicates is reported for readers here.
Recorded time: 9:34
